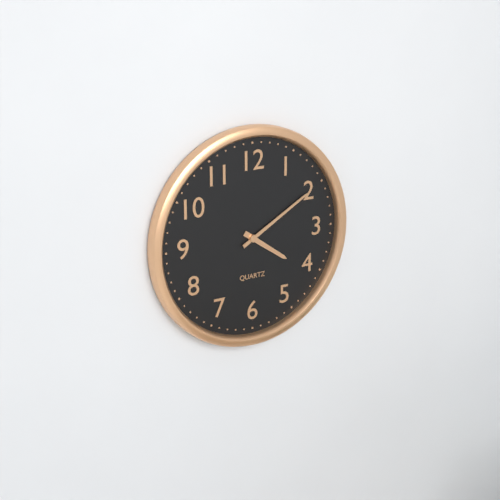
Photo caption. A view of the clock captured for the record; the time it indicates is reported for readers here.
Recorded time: 4:10
